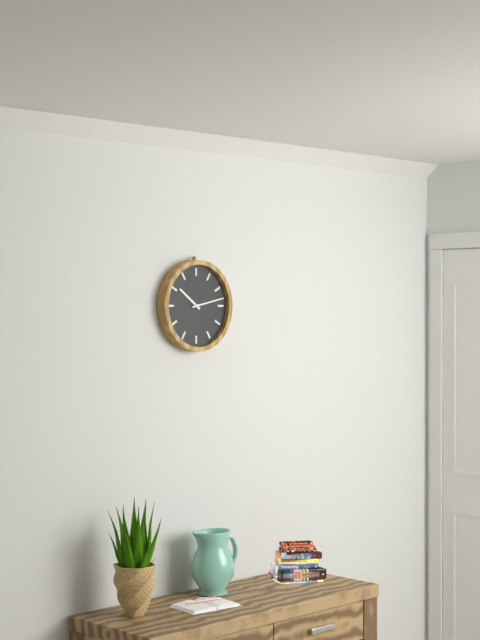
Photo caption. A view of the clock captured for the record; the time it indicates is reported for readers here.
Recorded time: 10:13
